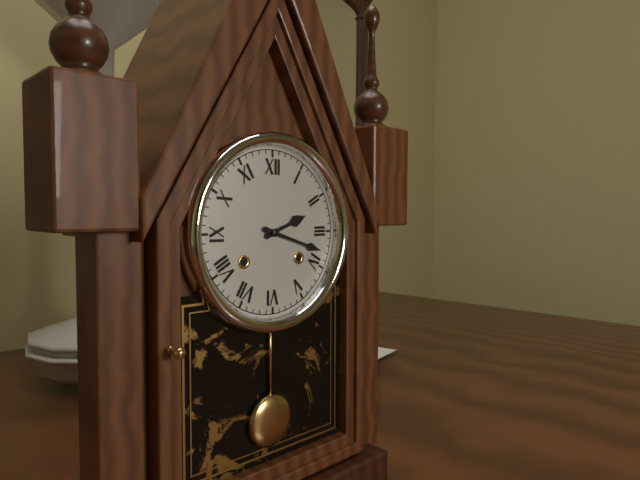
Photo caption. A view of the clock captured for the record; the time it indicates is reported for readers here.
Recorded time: 2:18
